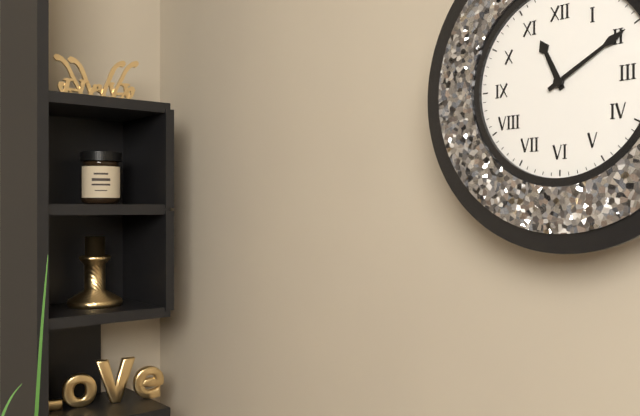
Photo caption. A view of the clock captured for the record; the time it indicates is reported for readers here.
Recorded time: 11:10
